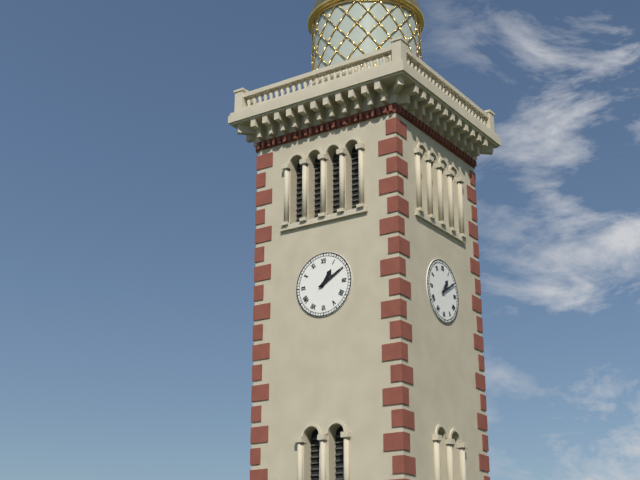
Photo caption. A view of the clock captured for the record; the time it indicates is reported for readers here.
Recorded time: 1:10
